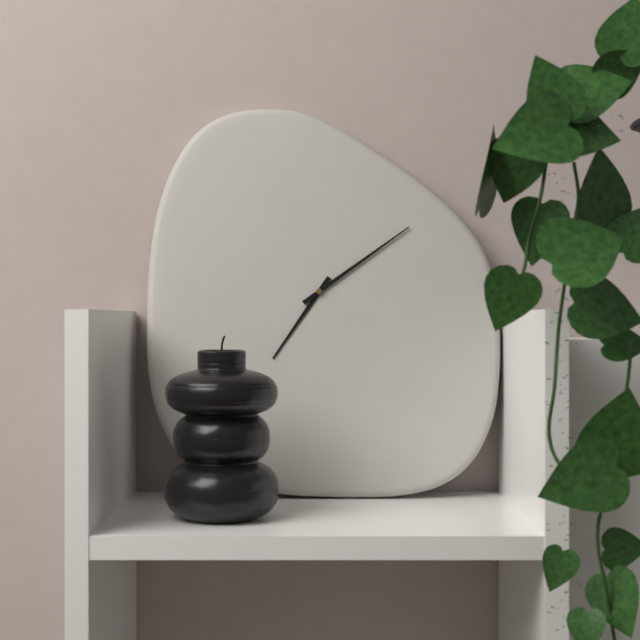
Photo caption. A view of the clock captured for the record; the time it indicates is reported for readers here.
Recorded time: 7:09
